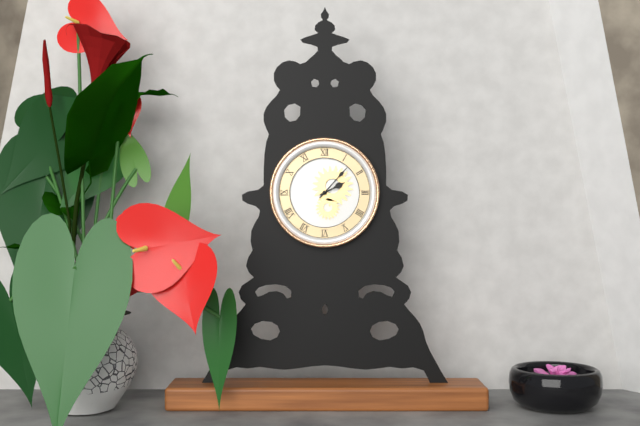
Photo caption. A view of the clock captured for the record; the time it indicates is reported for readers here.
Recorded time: 2:07
